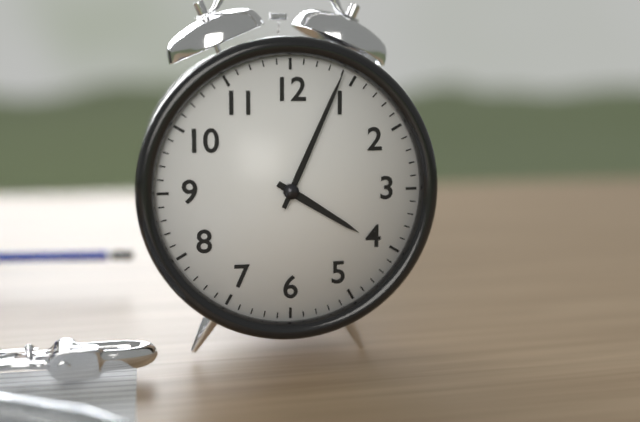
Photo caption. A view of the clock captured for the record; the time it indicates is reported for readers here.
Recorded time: 4:04
